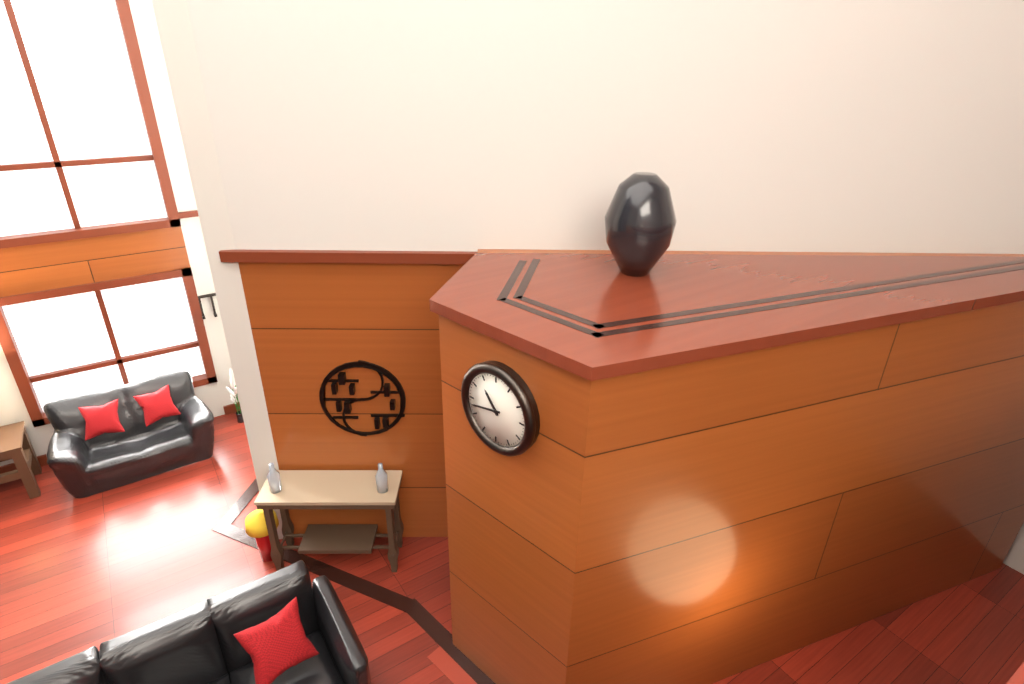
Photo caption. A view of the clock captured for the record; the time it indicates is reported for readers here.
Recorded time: 10:43
